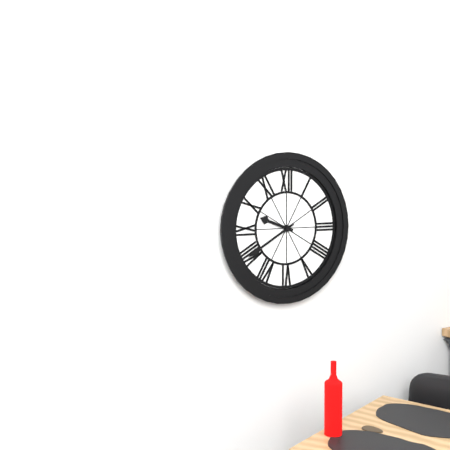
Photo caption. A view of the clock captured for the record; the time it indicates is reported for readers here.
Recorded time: 9:40
